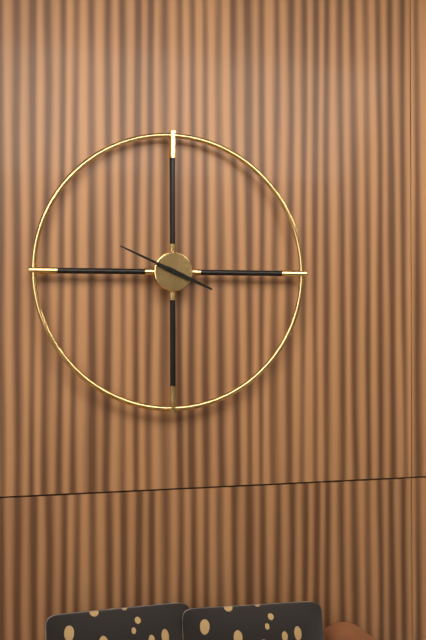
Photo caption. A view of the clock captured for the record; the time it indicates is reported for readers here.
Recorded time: 3:49
